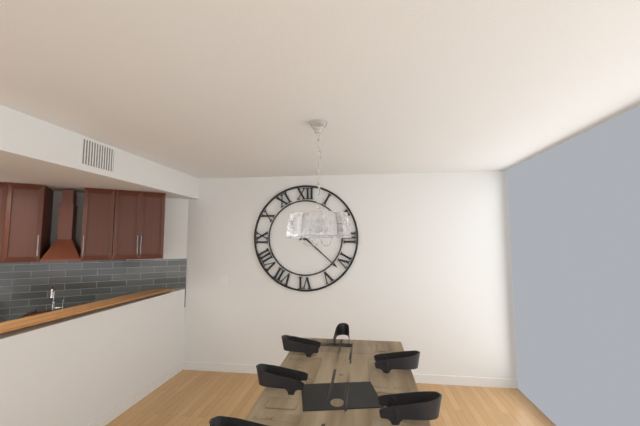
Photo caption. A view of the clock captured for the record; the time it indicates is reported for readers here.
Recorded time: 2:22
